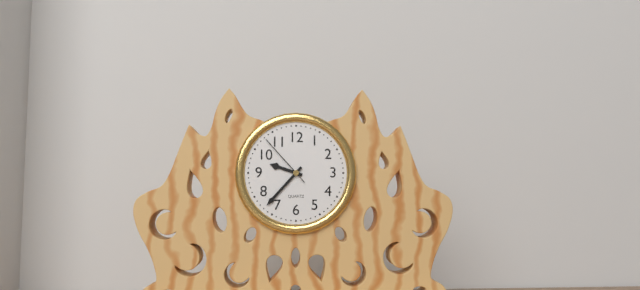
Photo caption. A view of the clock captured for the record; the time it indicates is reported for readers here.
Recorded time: 9:37:53
